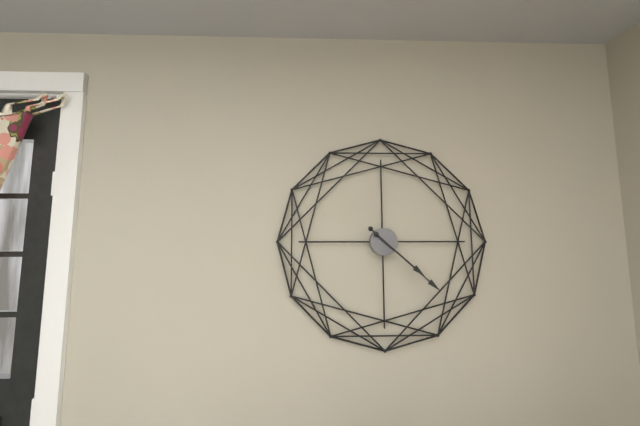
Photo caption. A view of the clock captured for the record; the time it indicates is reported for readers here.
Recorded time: 4:22
